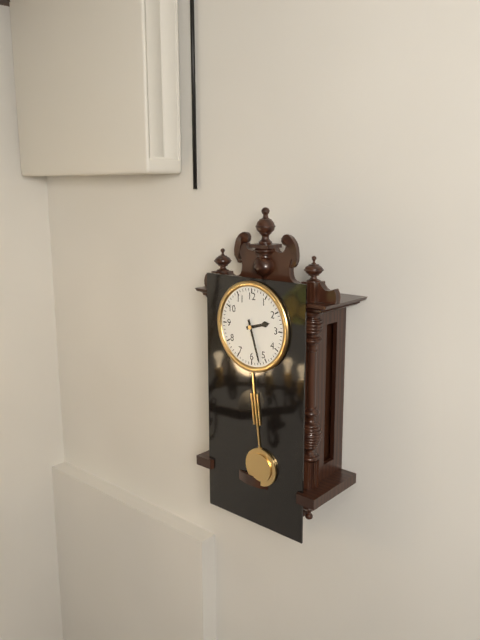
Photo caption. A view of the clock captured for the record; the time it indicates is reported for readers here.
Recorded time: 2:27
